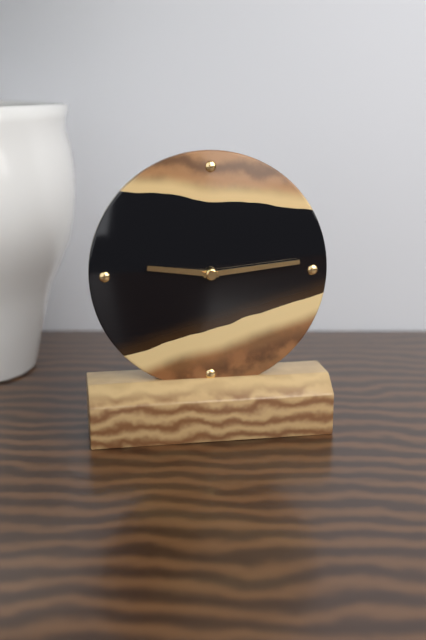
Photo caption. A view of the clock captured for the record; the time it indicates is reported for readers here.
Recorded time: 9:14
